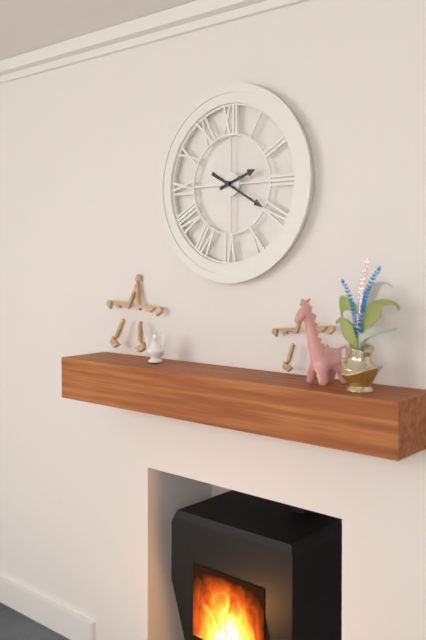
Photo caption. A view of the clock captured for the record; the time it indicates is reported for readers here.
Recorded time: 2:20
